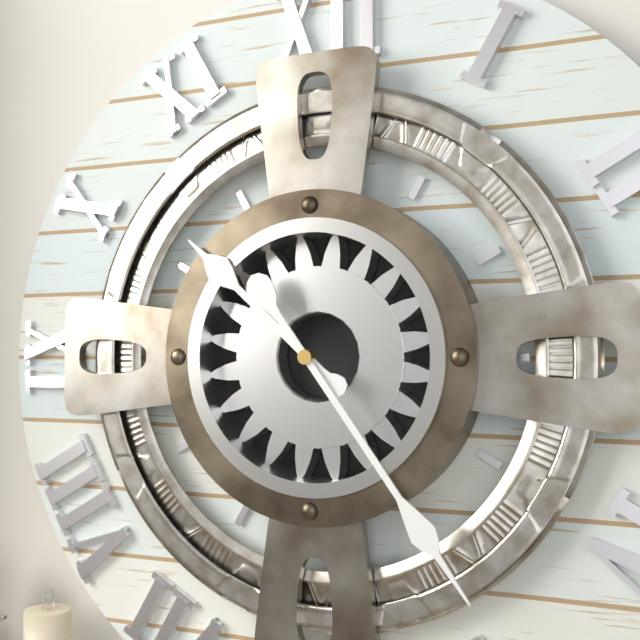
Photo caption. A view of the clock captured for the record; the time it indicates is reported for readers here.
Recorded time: 10:24
